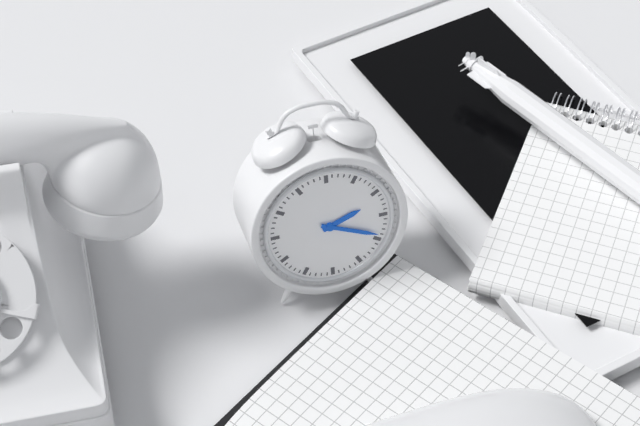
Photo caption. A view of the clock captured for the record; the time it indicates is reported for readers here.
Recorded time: 2:19
